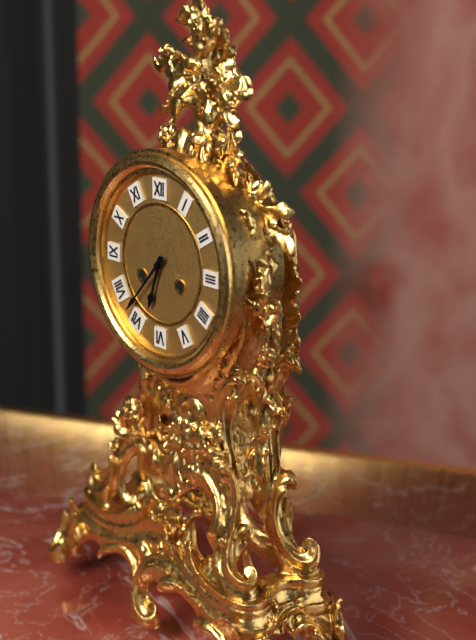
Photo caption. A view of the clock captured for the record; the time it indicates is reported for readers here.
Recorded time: 6:37
